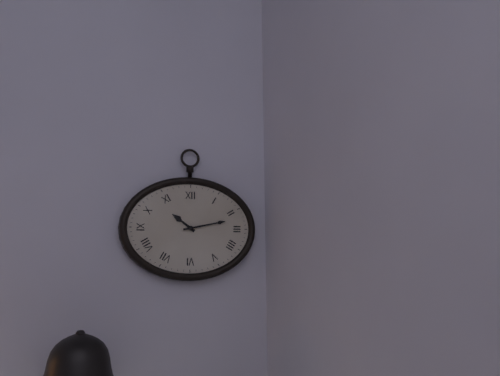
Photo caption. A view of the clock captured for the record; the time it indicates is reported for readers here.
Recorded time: 10:13
